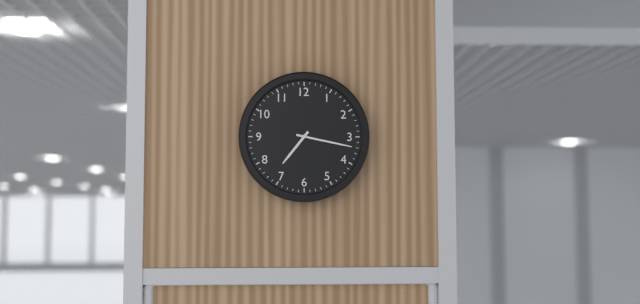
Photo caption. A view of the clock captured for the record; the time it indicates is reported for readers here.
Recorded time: 7:17
